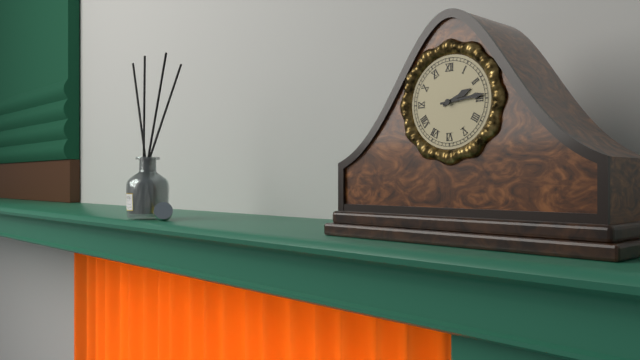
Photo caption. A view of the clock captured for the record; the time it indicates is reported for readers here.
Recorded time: 2:14
